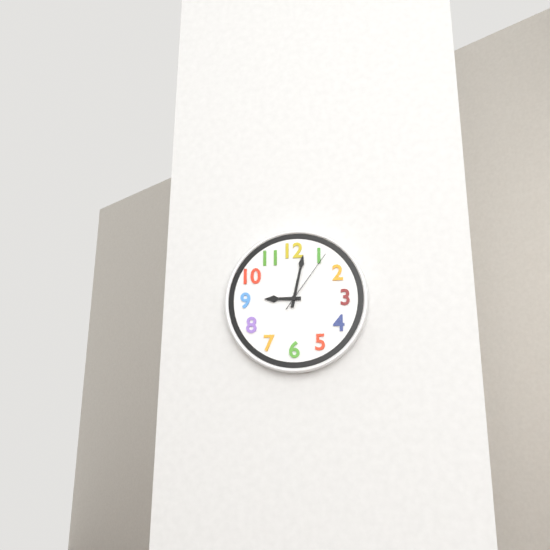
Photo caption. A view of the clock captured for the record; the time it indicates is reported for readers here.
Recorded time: 9:02:06
